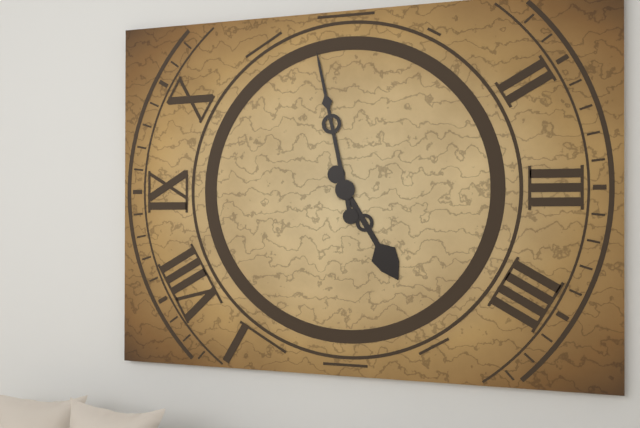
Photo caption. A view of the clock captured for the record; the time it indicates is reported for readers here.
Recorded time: 4:58
